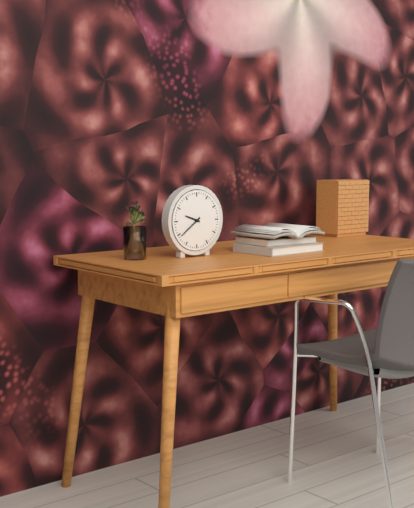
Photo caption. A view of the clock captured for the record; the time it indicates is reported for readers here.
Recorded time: 9:39
